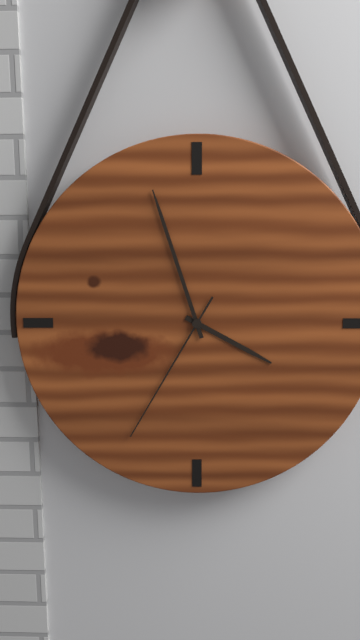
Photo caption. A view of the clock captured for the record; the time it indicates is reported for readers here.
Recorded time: 3:57:35
